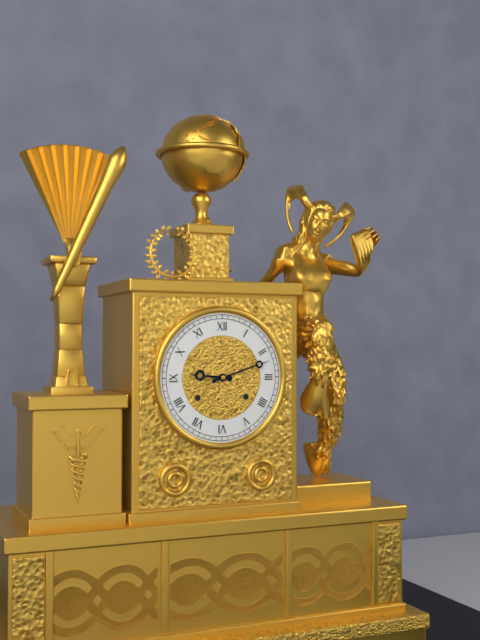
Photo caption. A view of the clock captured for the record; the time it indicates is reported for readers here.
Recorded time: 9:12
